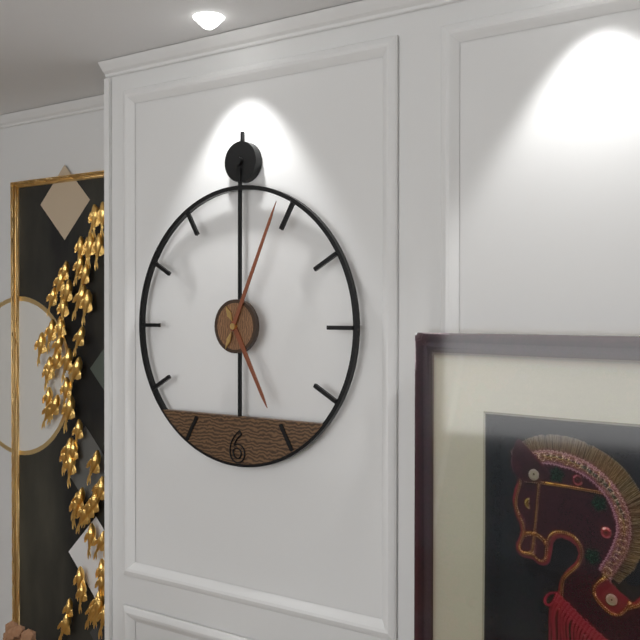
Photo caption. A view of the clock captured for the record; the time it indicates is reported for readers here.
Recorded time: 5:04
